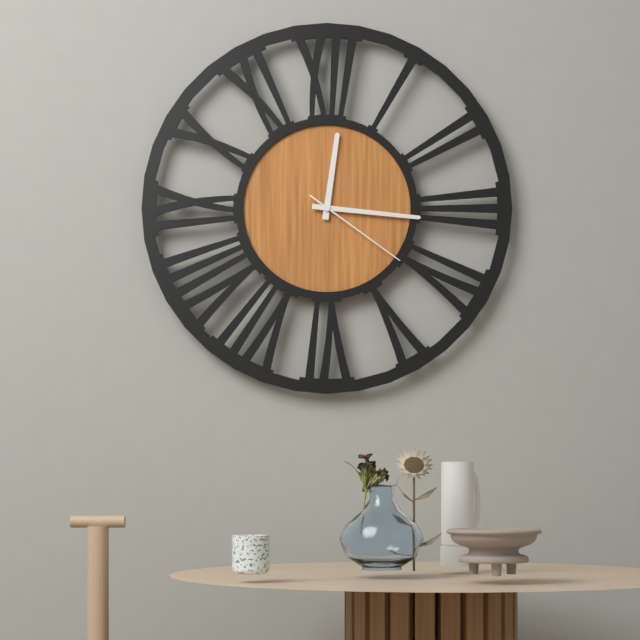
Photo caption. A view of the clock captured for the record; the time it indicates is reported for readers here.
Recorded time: 12:16:21
